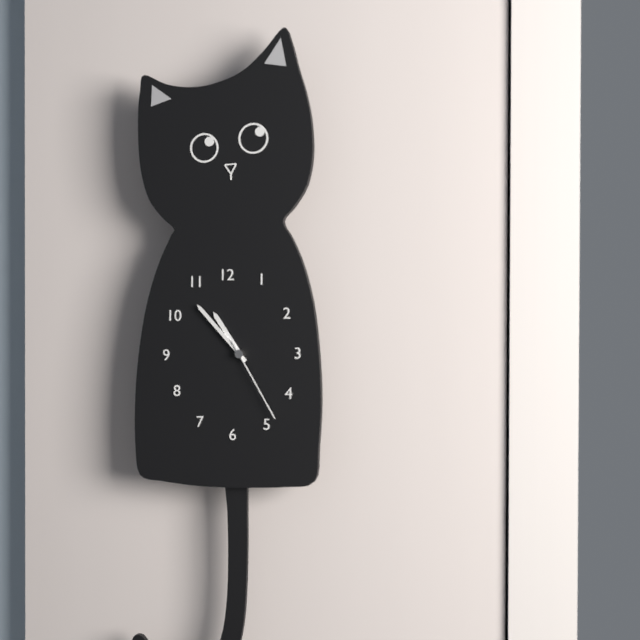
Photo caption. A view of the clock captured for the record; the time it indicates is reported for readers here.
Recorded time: 10:53:25
